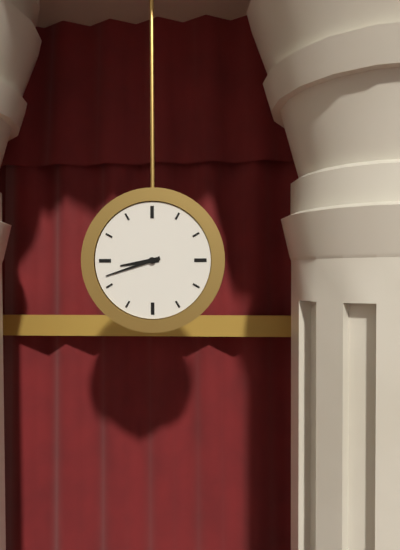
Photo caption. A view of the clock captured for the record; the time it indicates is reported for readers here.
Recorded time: 8:42
